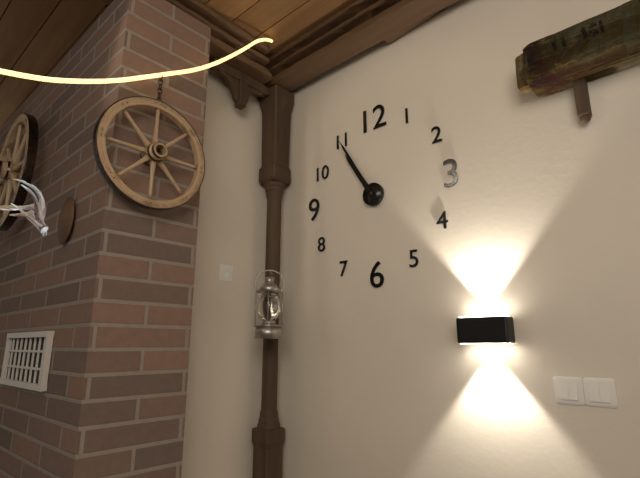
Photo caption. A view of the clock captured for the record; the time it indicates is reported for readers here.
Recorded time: 10:55
